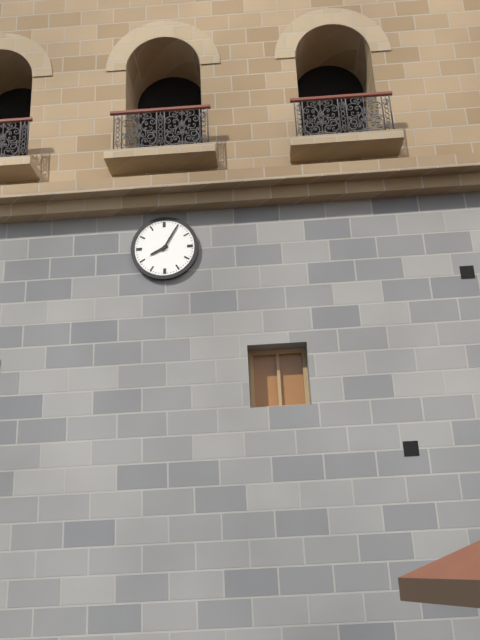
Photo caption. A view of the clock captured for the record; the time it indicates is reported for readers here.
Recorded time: 8:05
